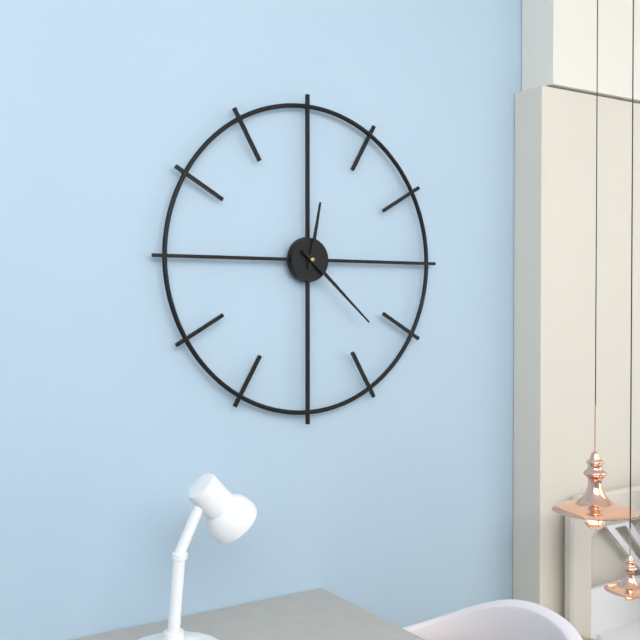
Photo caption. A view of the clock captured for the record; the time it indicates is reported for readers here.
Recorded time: 12:22
